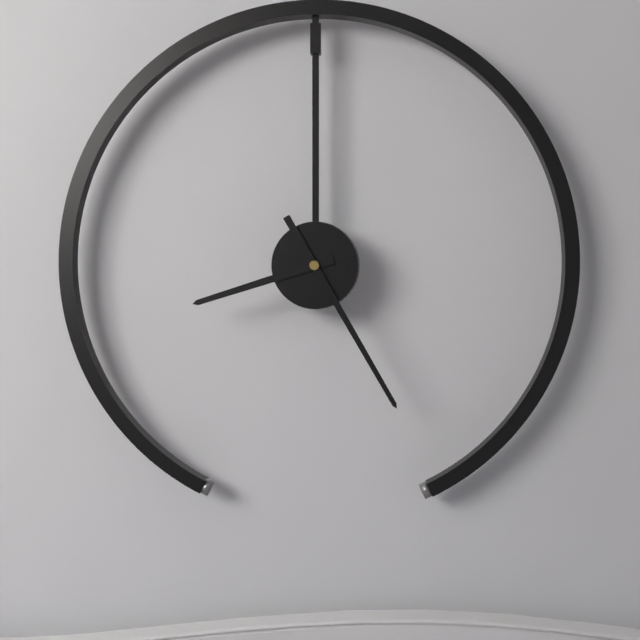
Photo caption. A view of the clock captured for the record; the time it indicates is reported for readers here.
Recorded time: 8:25
